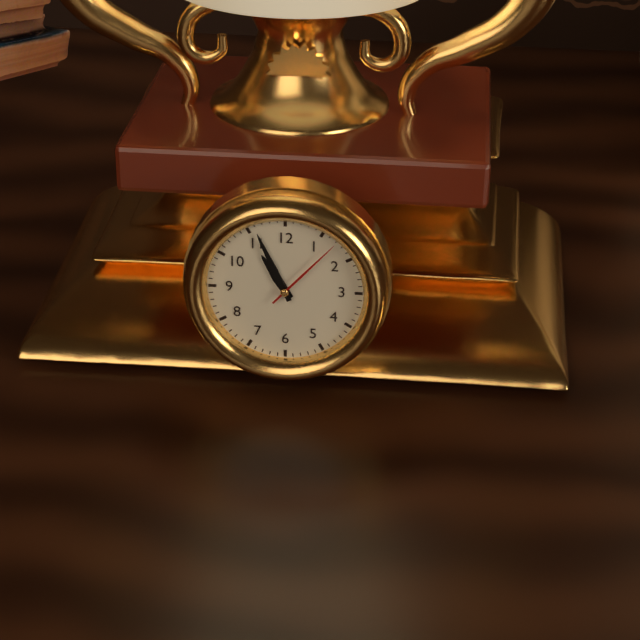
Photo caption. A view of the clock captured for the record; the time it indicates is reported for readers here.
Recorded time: 10:56:07
